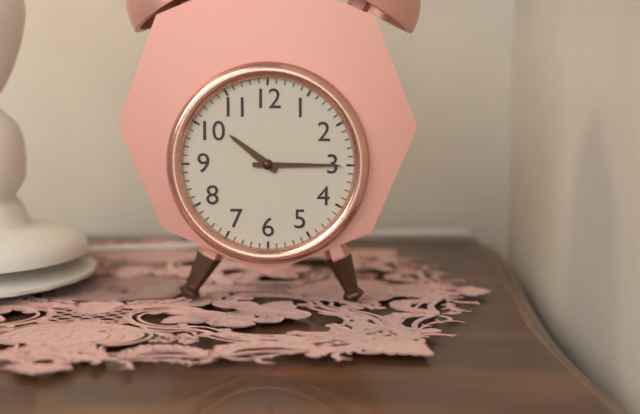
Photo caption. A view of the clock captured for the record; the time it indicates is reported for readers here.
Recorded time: 10:15
